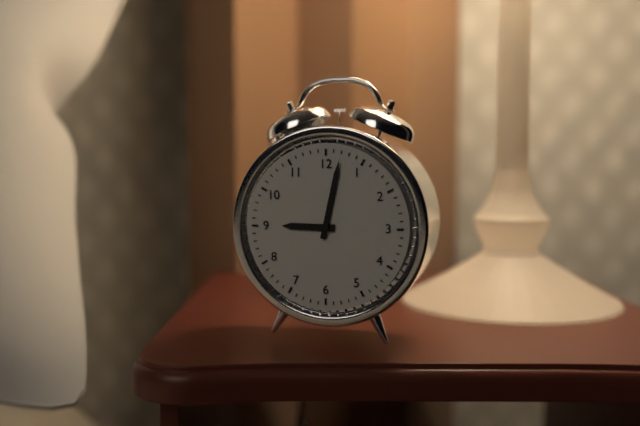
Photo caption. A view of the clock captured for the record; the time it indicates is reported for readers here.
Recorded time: 9:02
